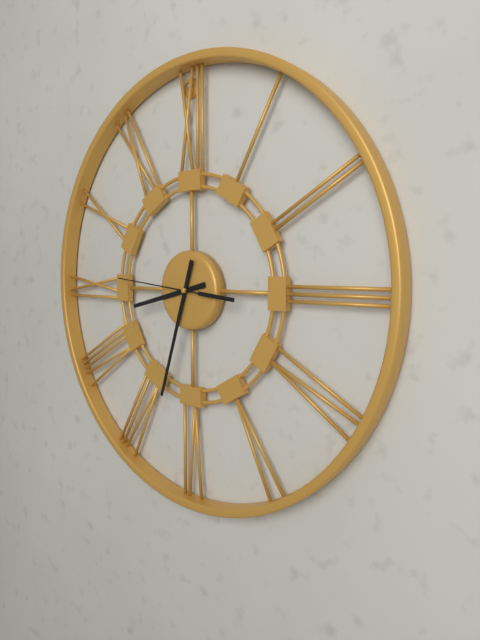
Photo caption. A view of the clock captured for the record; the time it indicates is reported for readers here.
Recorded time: 8:33:46
